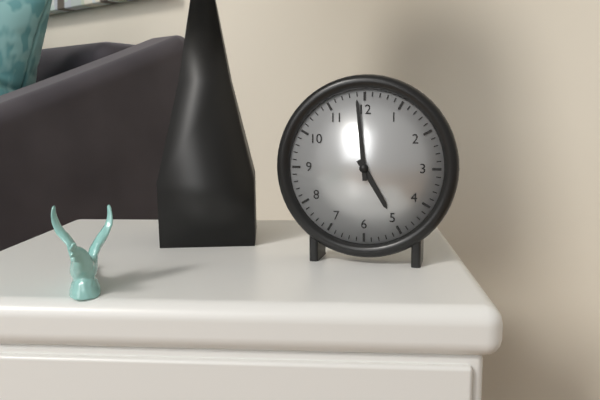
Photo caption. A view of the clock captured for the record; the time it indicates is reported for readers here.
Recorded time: 4:59
